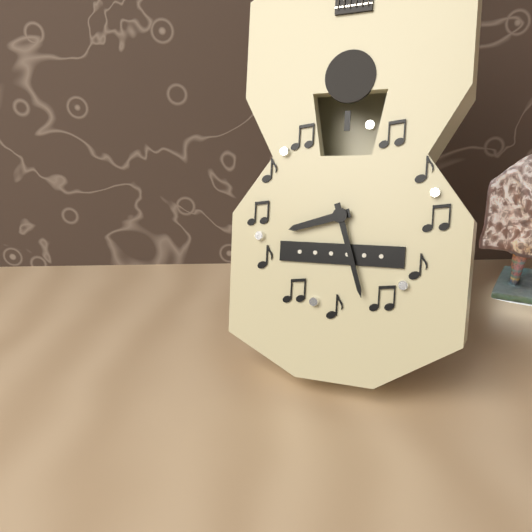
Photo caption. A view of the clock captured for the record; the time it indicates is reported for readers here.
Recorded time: 8:27
